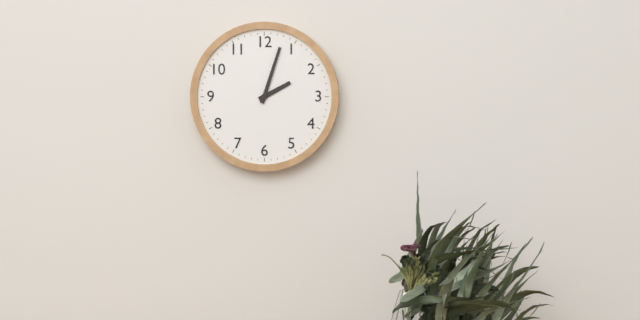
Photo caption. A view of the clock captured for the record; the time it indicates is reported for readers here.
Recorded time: 2:03
